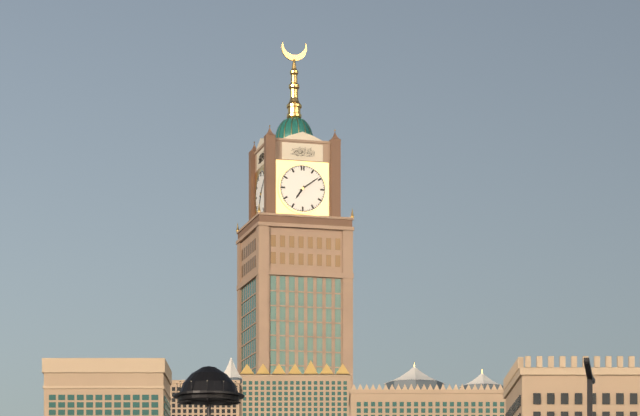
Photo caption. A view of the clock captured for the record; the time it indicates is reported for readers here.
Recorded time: 7:09
